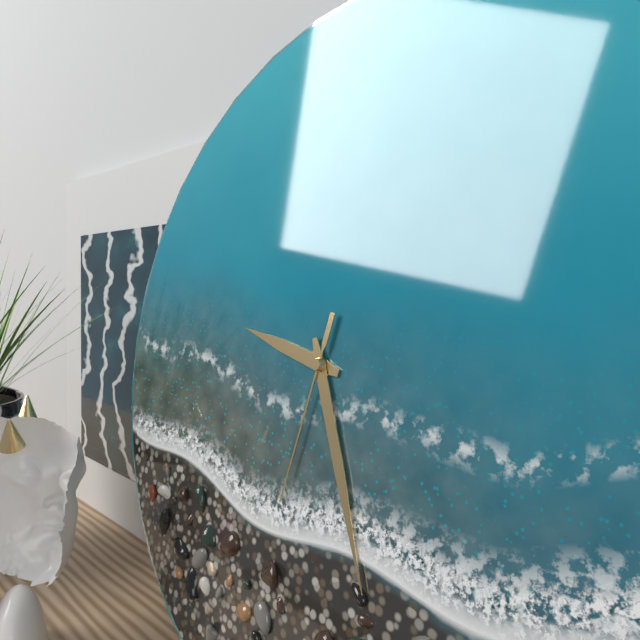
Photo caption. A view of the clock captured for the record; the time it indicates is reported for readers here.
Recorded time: 9:26:32
